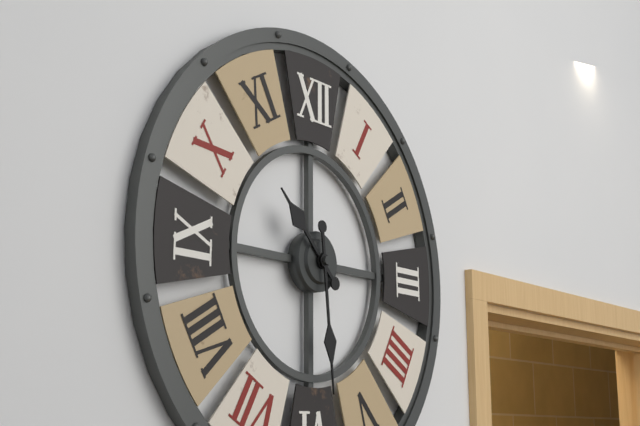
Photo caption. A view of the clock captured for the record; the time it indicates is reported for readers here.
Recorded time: 10:29
